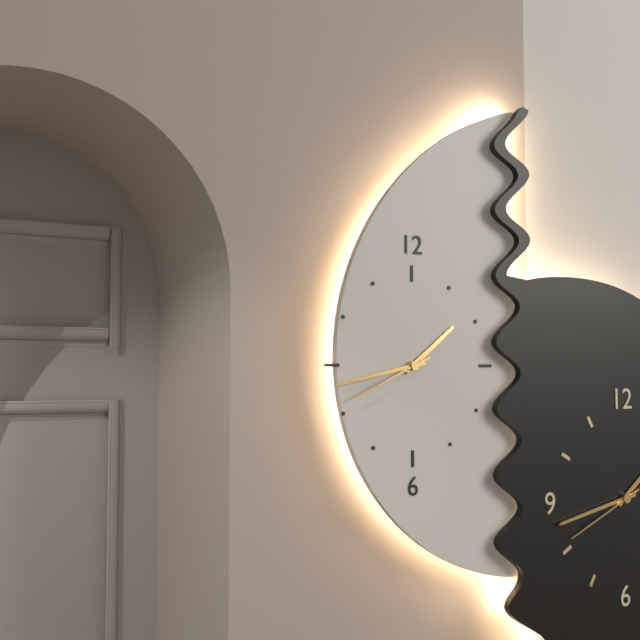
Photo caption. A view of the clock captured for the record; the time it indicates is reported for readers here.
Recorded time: 1:43:41
